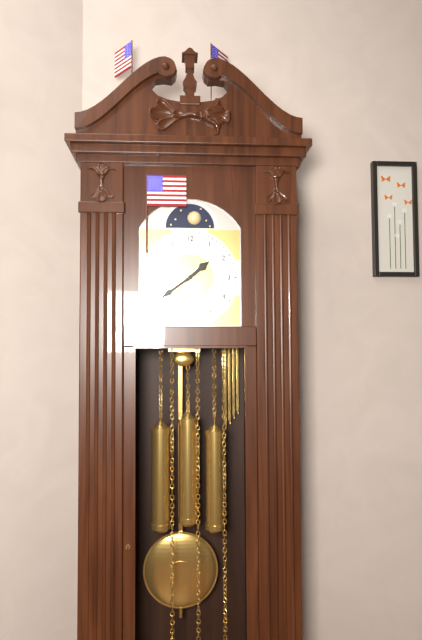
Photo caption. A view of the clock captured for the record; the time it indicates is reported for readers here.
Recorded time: 1:39
